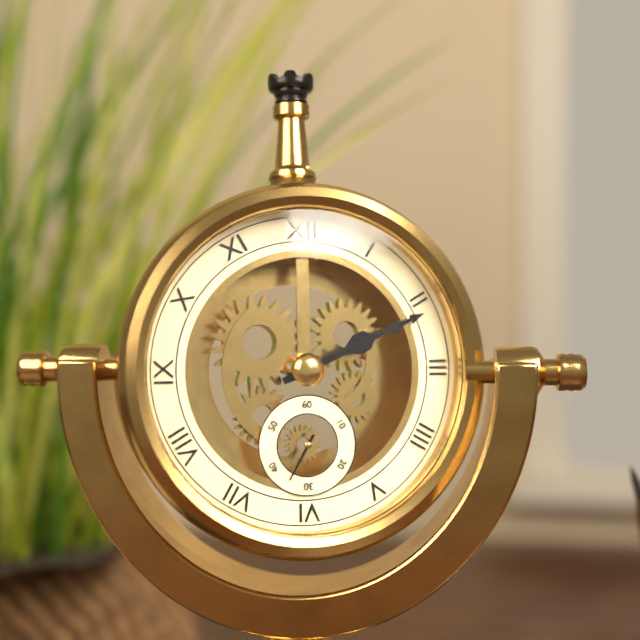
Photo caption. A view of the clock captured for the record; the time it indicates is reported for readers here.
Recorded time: 2:11
